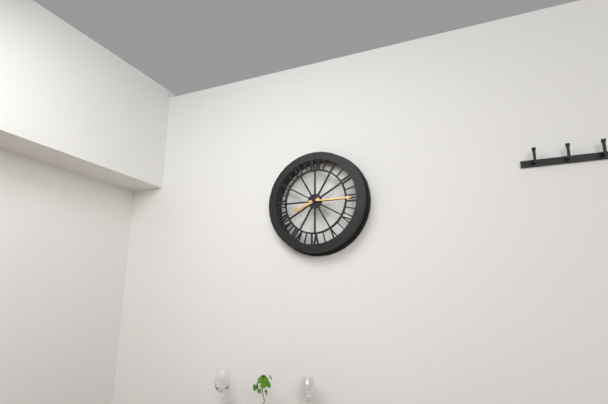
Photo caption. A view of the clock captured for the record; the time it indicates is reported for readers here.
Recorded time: 8:15
